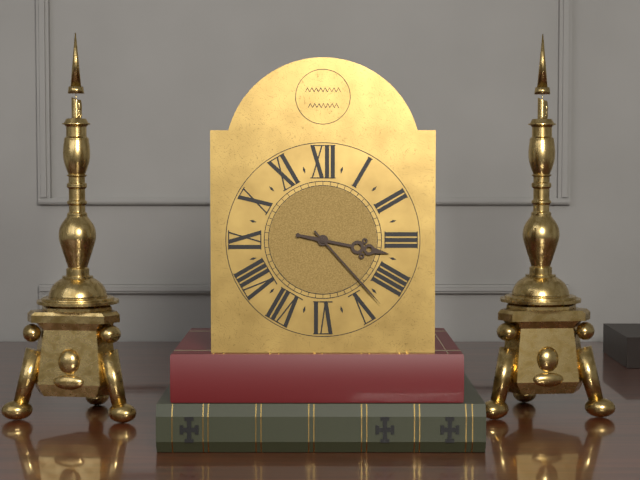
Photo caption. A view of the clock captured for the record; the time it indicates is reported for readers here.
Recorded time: 3:23
